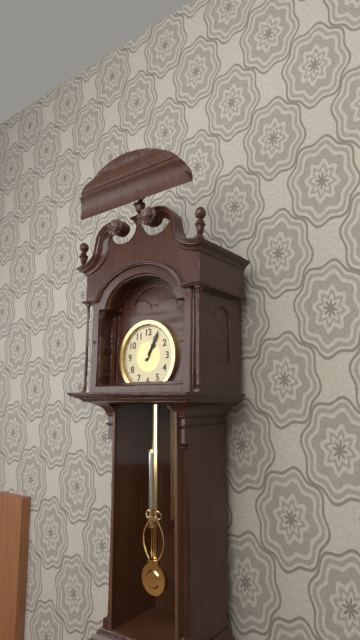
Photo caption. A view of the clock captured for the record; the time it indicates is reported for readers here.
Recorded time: 1:05
